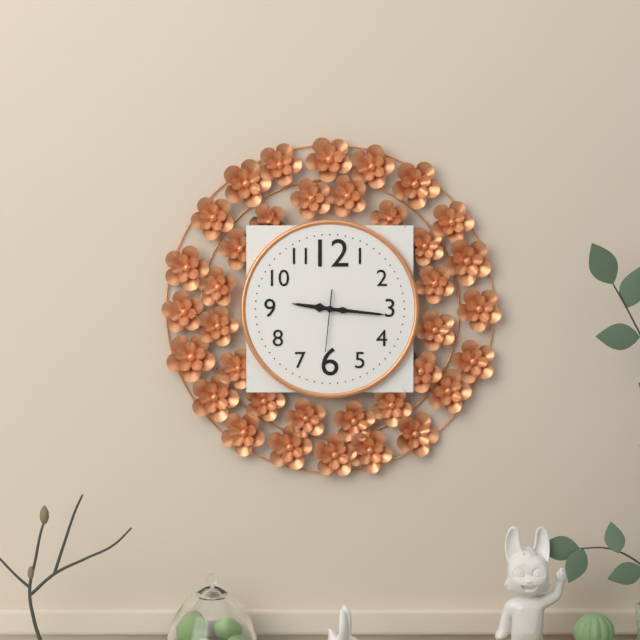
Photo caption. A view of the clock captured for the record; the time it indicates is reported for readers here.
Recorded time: 9:16:31
